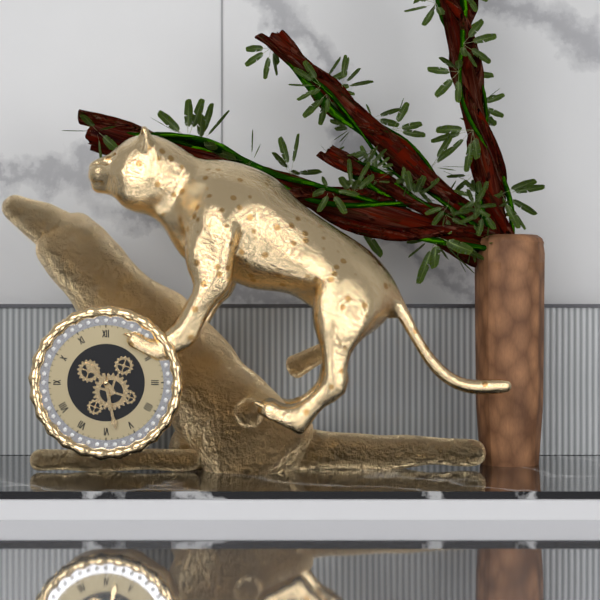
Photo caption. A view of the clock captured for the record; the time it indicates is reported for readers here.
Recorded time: 10:28
